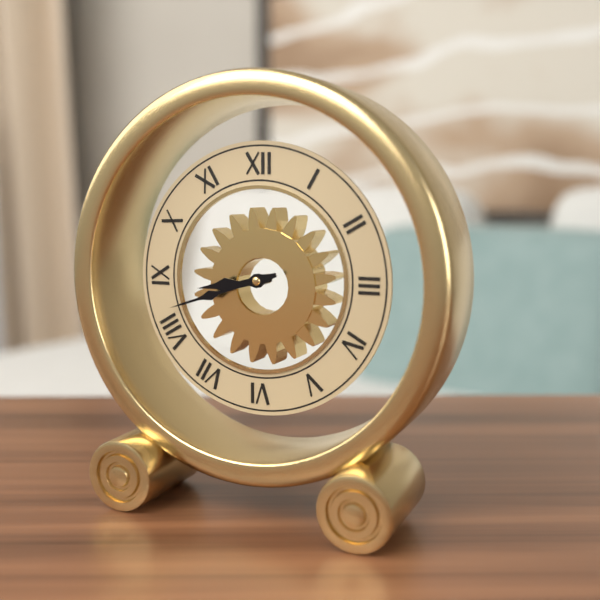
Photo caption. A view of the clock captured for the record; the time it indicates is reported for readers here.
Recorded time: 8:42
